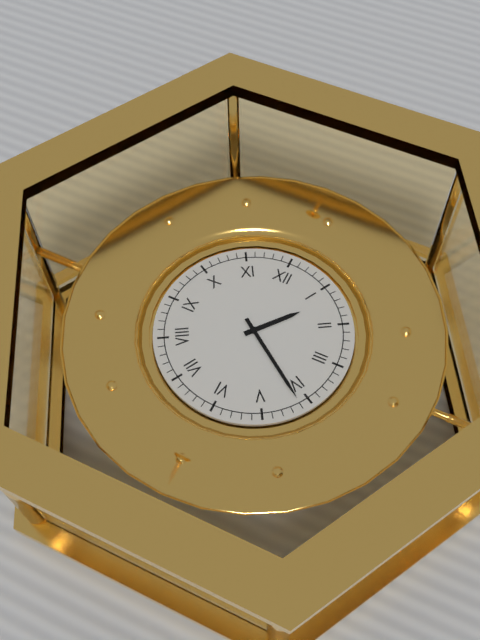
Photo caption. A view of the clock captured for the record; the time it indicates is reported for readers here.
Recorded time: 1:21
